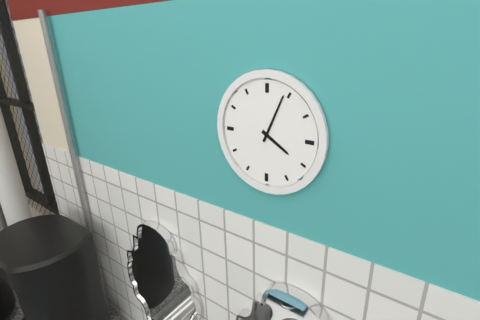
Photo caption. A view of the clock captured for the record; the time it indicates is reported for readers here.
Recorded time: 4:04
